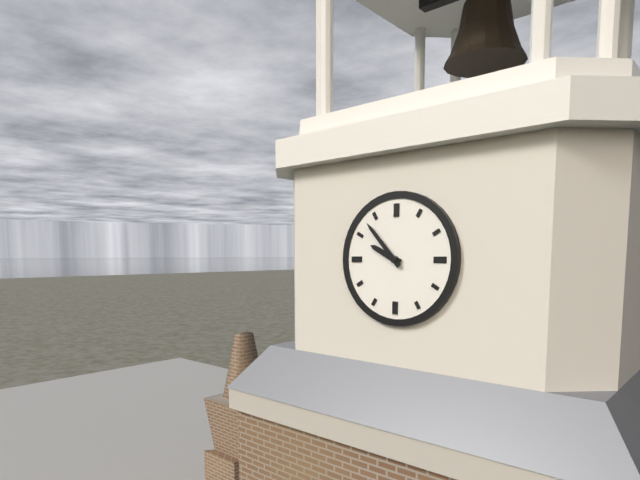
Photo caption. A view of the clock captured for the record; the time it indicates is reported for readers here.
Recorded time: 9:53
